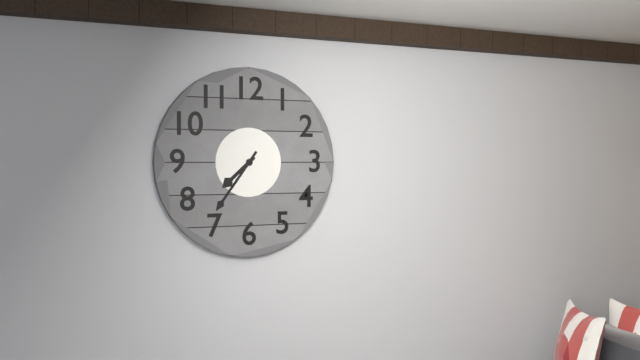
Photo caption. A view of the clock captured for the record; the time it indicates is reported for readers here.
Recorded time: 7:36
